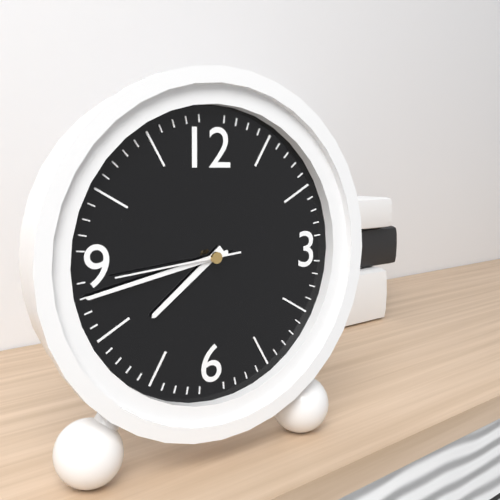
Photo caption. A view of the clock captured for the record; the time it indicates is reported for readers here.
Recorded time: 7:43:44
